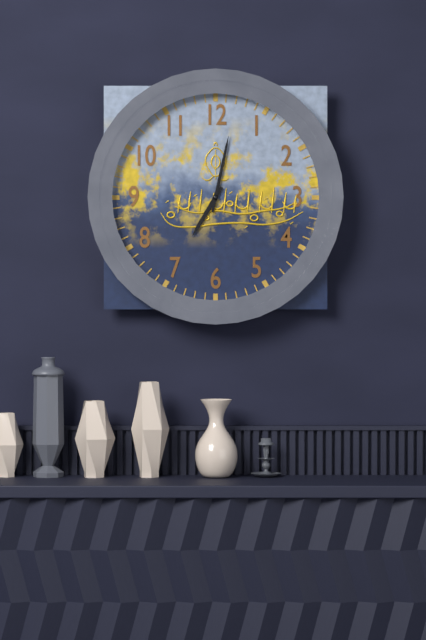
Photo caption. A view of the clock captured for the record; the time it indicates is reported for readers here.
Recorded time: 7:02
